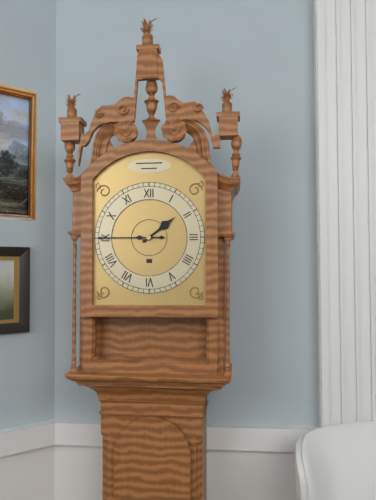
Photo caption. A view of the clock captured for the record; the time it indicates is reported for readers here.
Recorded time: 1:45
